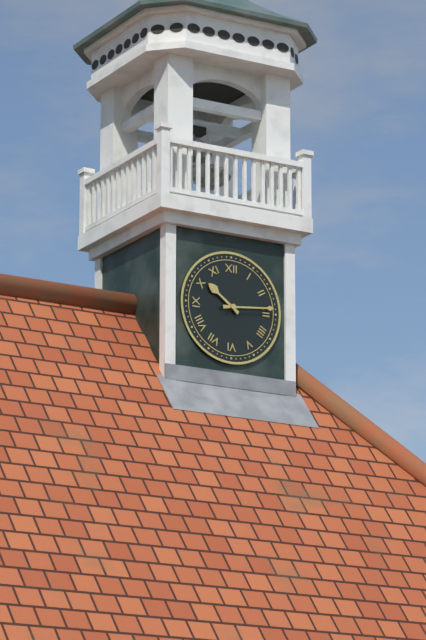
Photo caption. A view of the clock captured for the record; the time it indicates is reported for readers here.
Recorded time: 10:14
